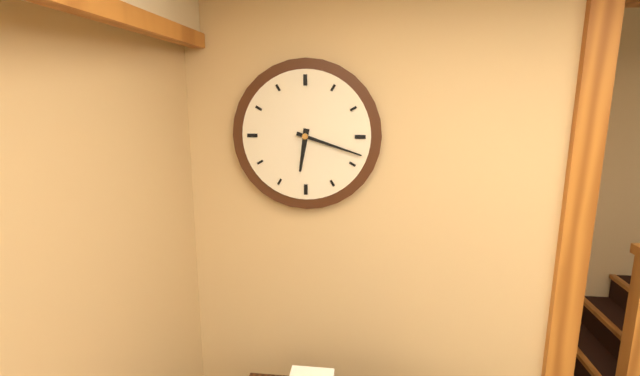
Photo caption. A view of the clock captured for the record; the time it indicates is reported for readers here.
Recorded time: 6:18
